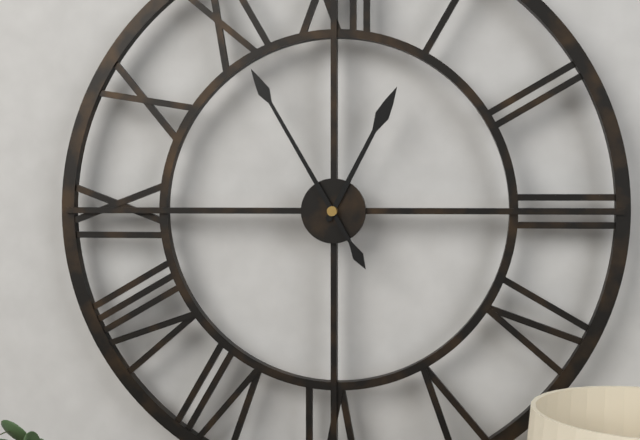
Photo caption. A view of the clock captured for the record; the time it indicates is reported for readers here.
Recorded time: 12:55
